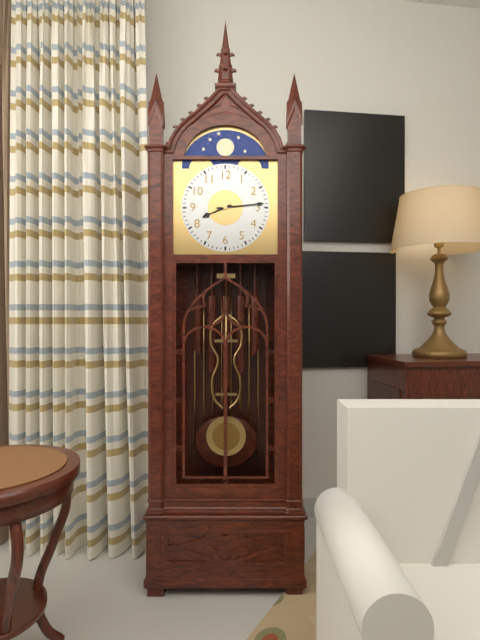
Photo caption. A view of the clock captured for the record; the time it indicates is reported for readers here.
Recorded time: 8:14
